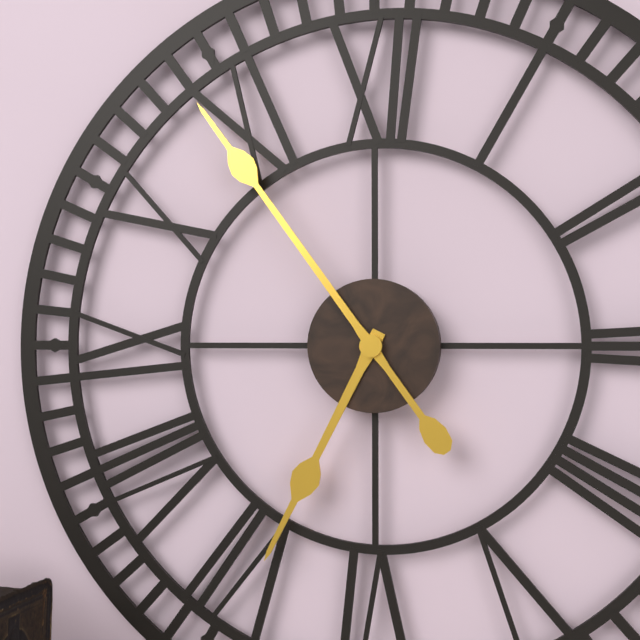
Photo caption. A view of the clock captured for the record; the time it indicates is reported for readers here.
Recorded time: 6:54
